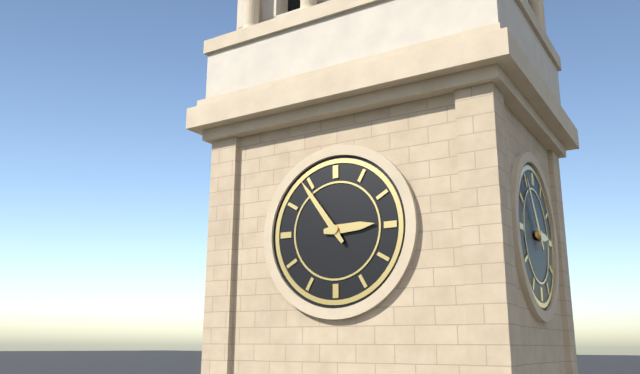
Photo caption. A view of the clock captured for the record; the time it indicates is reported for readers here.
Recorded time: 2:54
